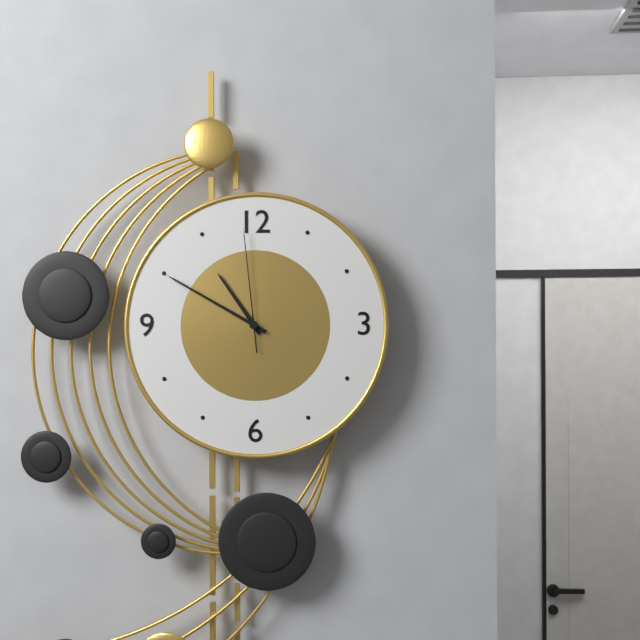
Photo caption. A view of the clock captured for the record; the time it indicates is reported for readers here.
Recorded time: 10:50:59
